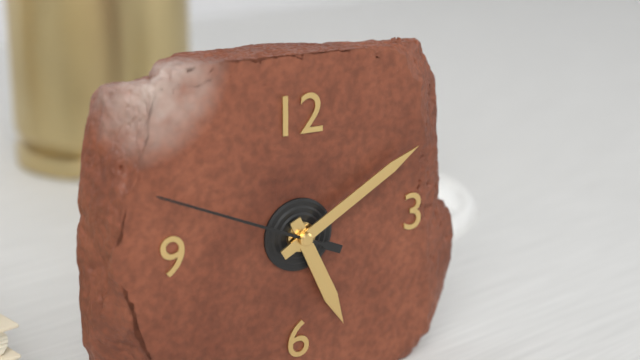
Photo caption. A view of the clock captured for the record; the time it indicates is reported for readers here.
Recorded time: 5:10:49
